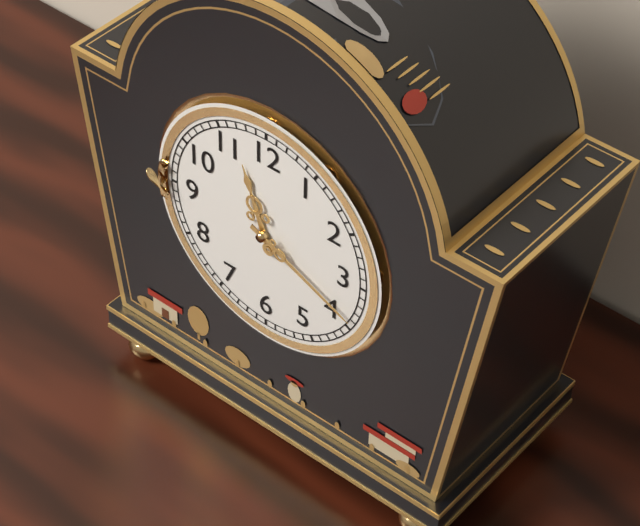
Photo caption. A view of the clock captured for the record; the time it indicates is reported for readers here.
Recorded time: 11:19
